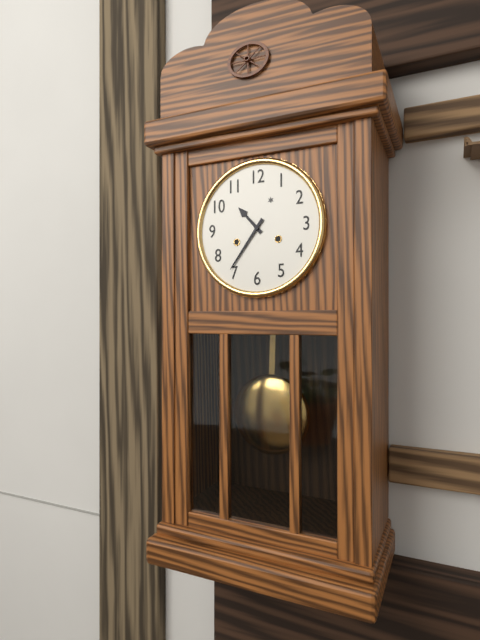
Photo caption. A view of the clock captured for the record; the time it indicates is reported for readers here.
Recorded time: 10:36
